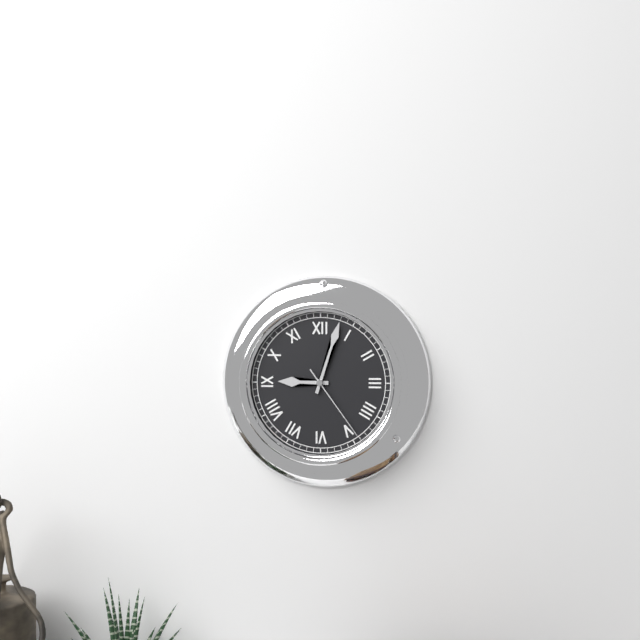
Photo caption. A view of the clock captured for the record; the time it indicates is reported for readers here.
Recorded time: 9:03:24
